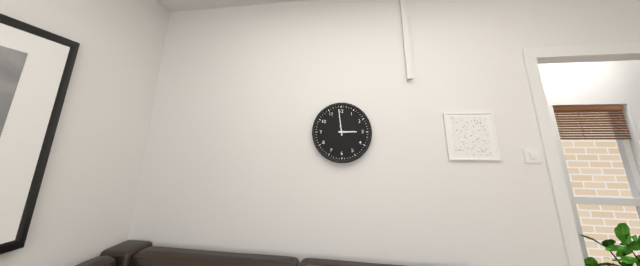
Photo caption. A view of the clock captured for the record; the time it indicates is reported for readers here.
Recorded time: 2:59
